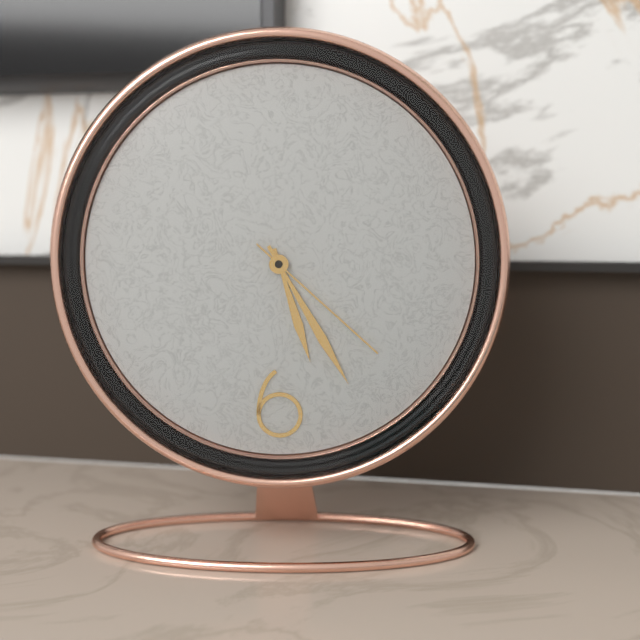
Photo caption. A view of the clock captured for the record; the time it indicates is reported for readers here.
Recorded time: 5:25:22
